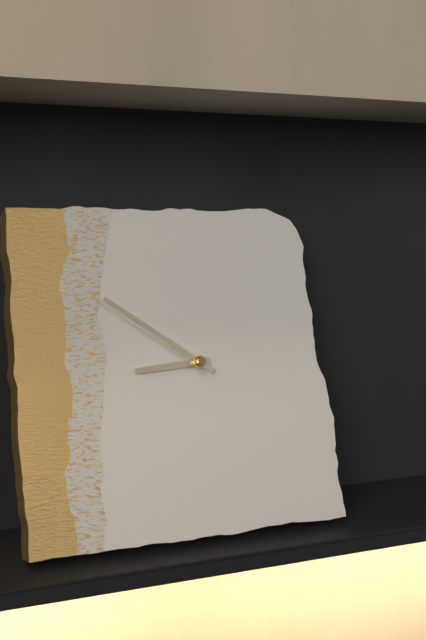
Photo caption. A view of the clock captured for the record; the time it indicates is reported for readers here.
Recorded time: 8:51
